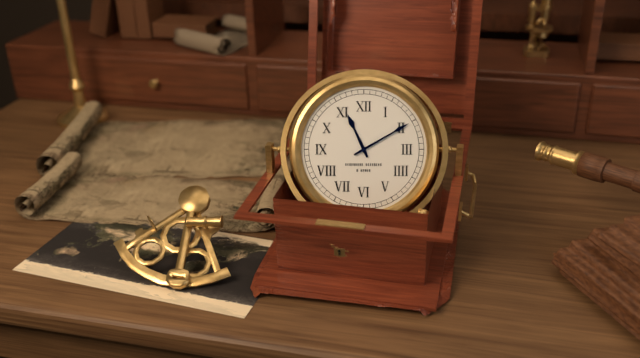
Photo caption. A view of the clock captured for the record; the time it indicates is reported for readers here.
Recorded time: 11:10
